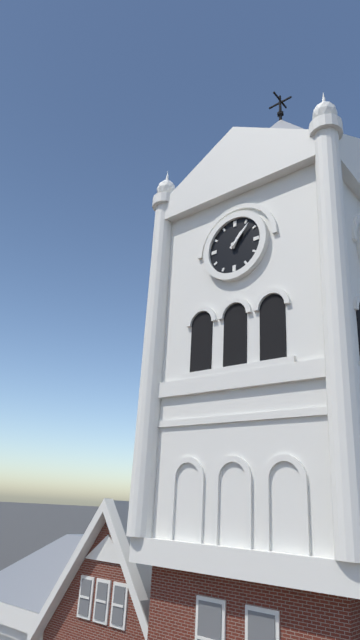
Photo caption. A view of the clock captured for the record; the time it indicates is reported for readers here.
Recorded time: 1:07
